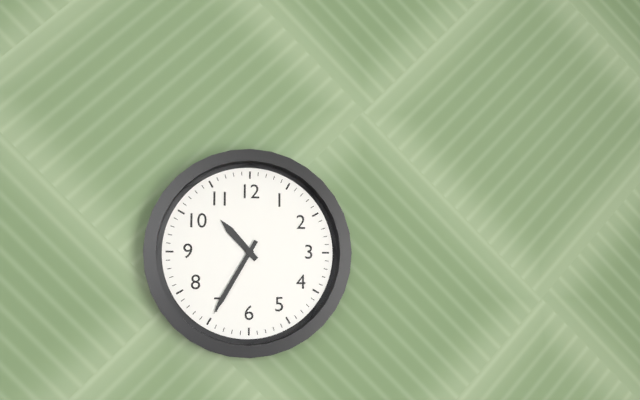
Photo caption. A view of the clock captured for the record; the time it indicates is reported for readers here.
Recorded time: 10:35
